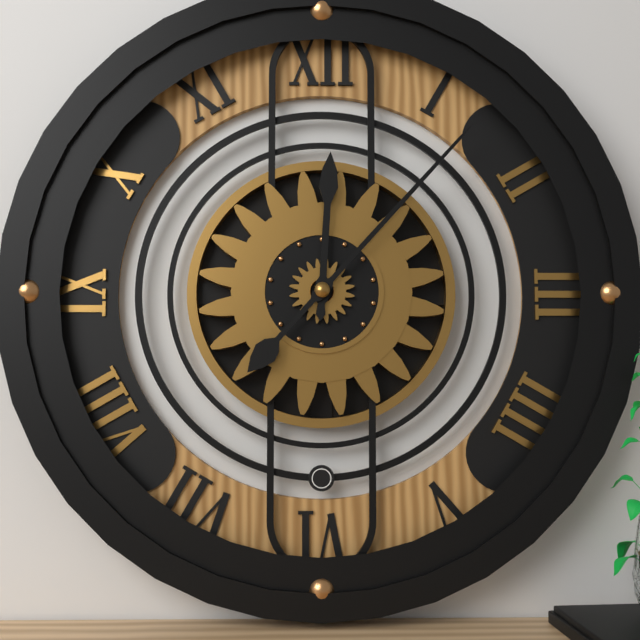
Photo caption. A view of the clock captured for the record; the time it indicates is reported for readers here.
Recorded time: 12:07
